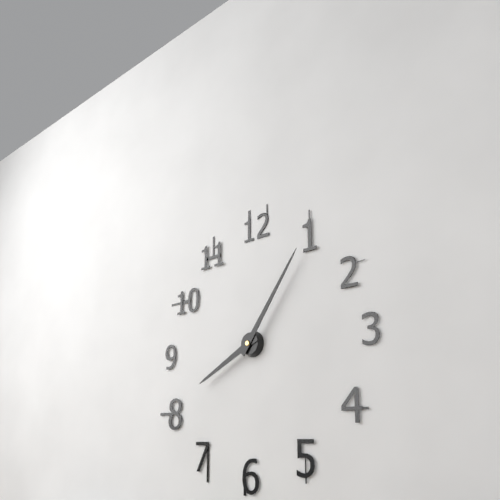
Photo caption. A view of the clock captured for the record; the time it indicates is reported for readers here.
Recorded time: 8:06
